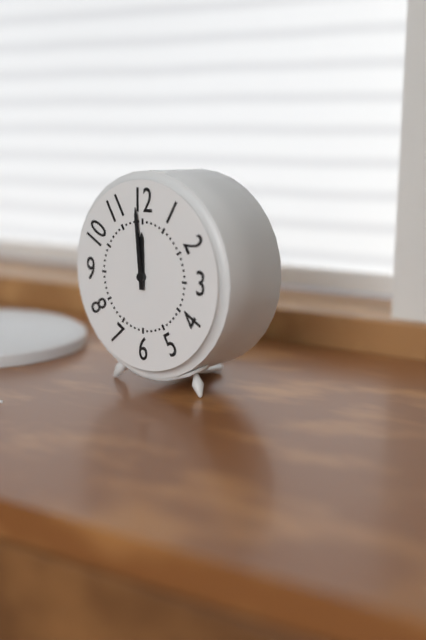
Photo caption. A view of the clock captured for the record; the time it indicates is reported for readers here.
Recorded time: 11:59
